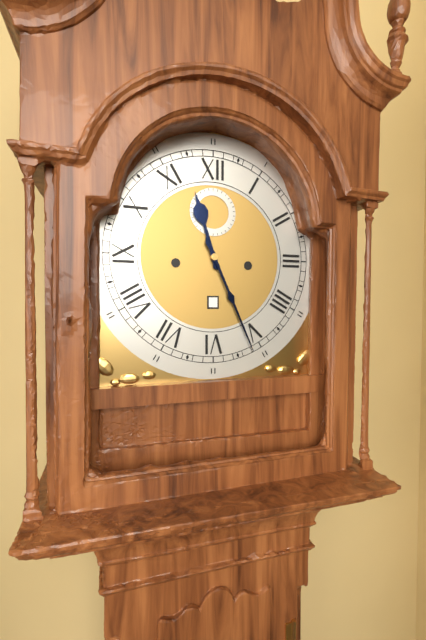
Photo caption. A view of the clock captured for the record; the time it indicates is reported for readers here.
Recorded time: 11:26
